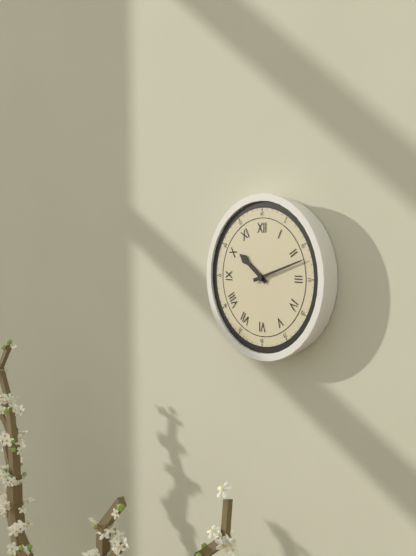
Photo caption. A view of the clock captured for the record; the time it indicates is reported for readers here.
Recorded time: 10:12
